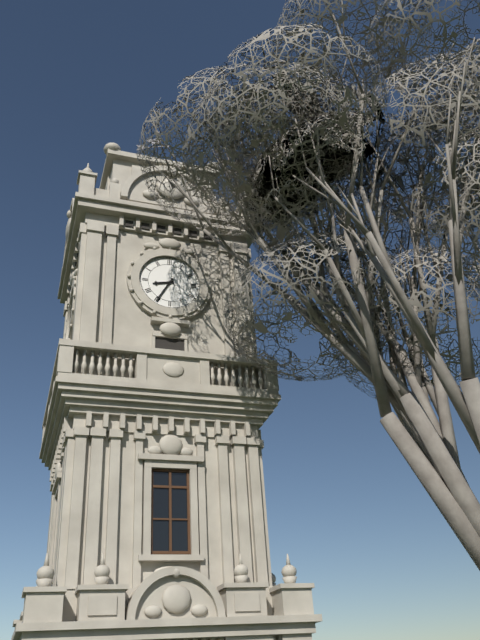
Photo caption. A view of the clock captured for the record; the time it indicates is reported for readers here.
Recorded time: 8:35
